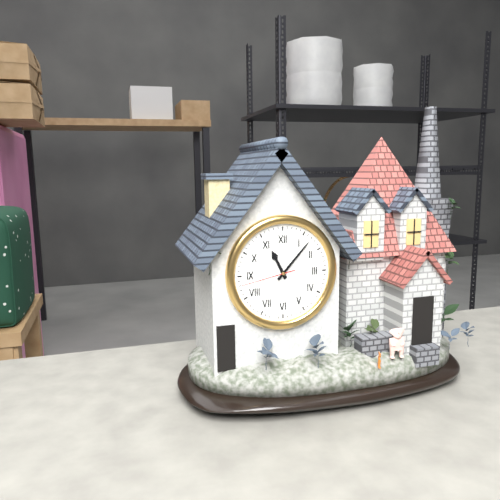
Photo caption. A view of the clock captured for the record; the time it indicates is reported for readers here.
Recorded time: 11:07:43
